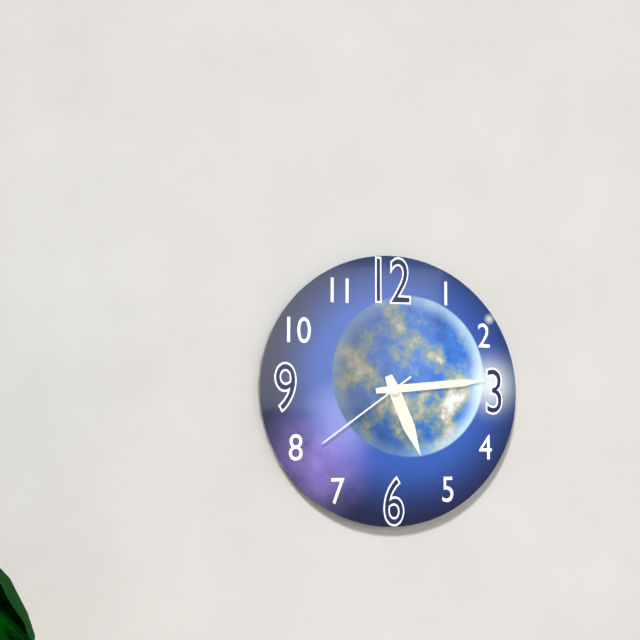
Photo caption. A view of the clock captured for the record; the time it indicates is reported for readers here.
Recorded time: 5:14:39
